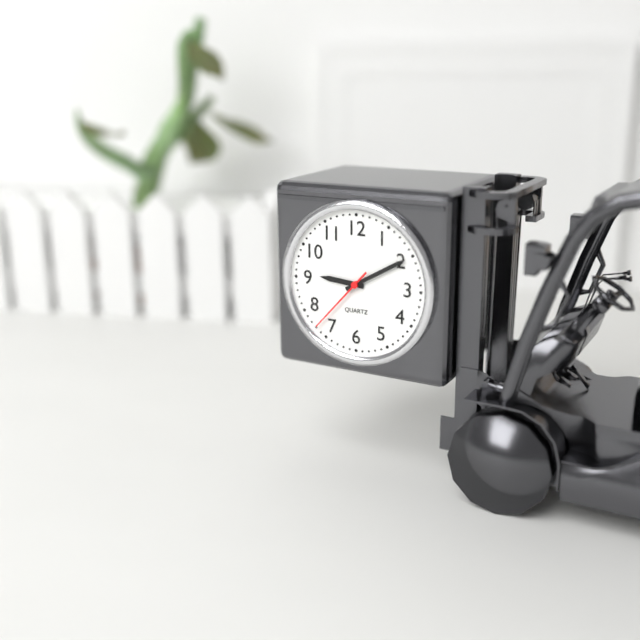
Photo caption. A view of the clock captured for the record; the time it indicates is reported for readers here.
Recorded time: 9:10:37
